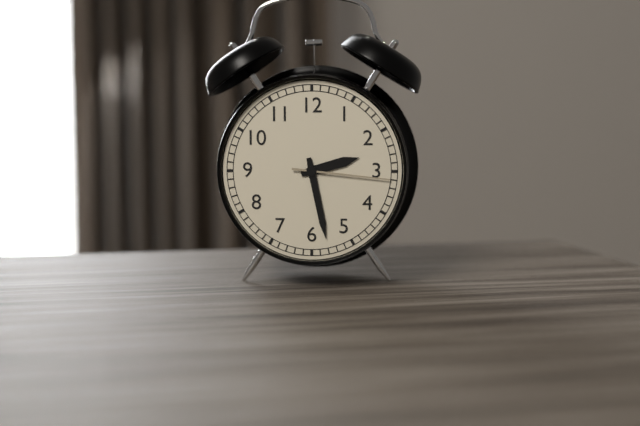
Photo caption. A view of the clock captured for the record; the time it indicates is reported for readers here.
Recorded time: 2:28:16
